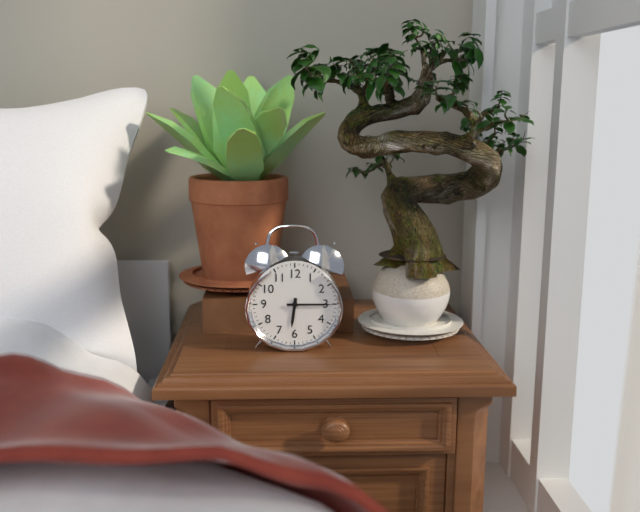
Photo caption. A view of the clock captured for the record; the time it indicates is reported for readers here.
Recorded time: 6:15
